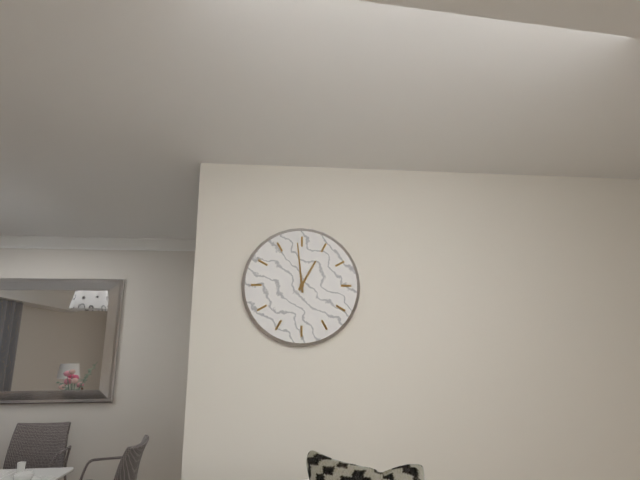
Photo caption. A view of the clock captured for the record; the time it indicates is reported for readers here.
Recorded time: 12:59
